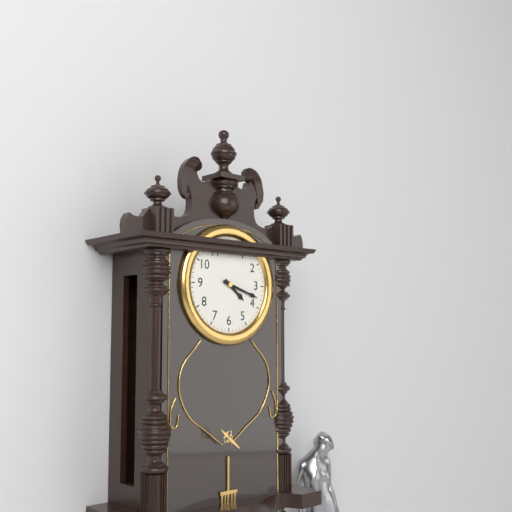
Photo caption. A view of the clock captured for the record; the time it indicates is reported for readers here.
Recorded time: 4:18
